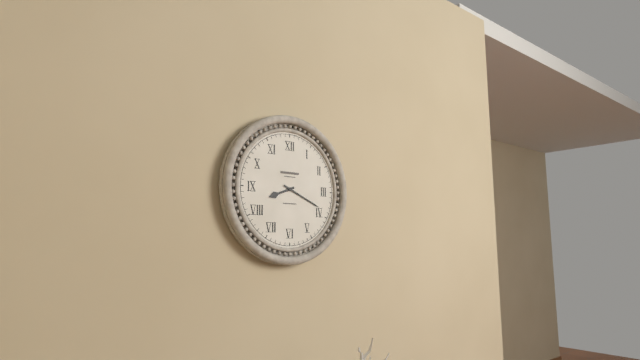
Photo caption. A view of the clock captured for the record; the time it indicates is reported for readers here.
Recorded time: 8:19
